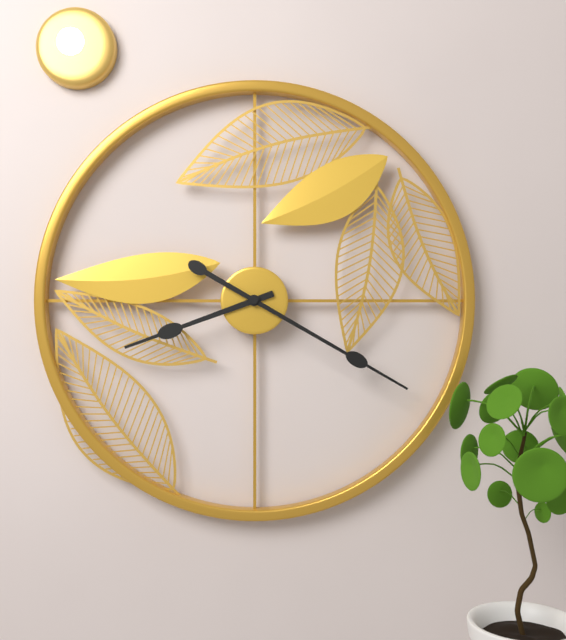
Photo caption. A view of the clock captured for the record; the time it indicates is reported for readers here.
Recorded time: 8:20
